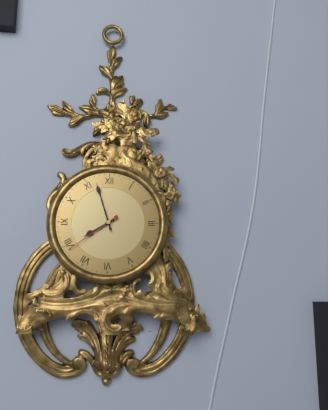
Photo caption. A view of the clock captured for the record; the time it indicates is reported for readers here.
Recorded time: 7:57:39
